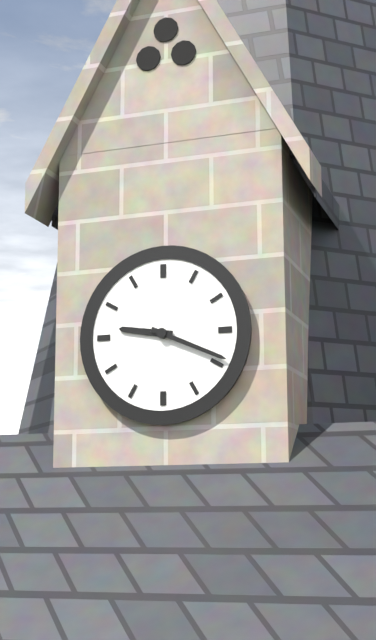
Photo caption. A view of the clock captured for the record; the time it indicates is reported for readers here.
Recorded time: 9:19
